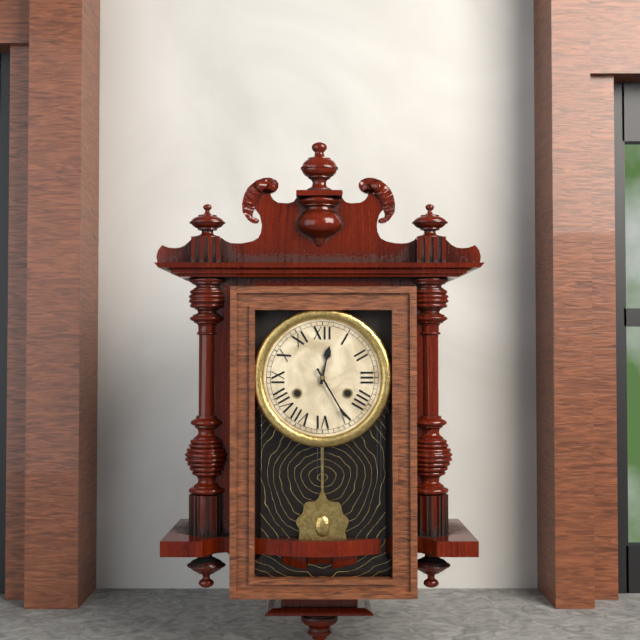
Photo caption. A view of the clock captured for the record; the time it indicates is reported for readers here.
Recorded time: 12:25
